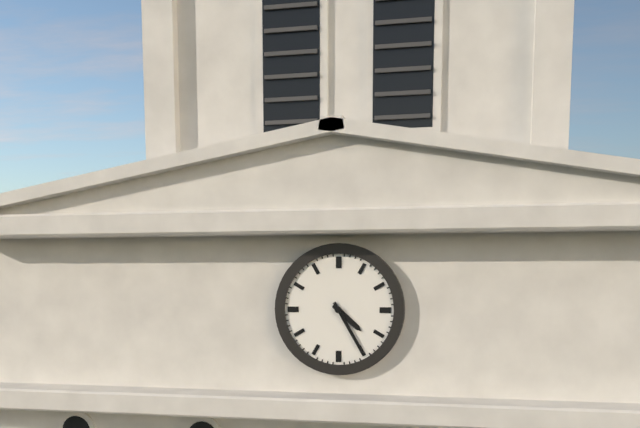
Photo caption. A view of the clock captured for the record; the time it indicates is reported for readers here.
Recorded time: 4:25
